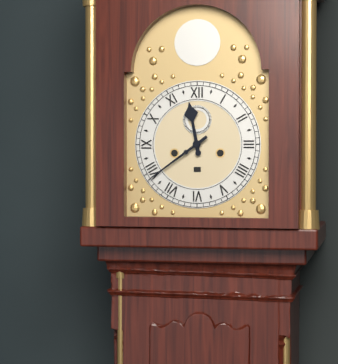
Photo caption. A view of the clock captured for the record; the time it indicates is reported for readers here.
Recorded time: 11:39
